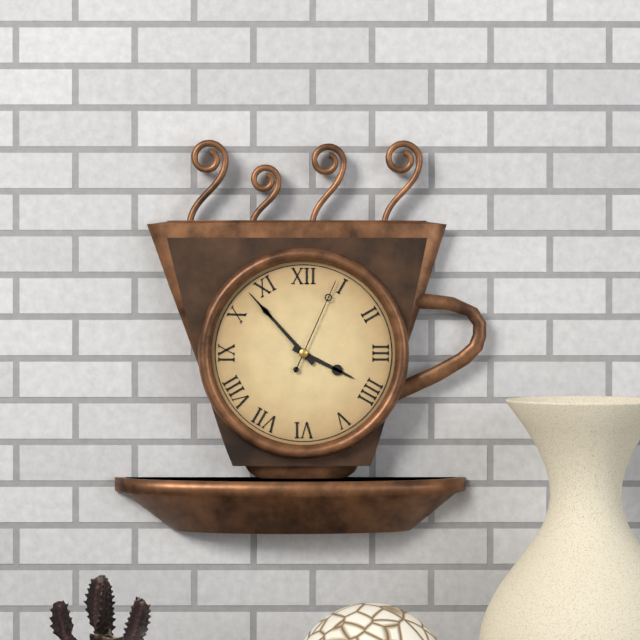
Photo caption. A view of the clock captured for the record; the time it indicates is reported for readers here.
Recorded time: 3:53:04
